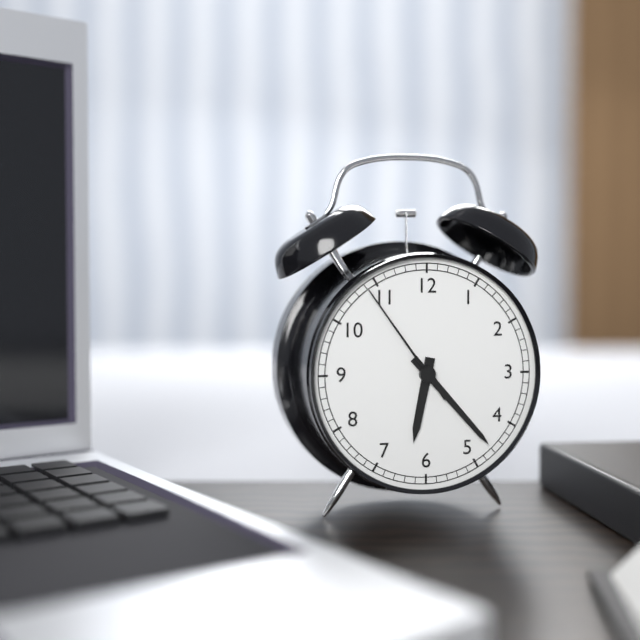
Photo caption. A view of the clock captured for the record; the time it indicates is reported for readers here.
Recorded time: 6:23:54
